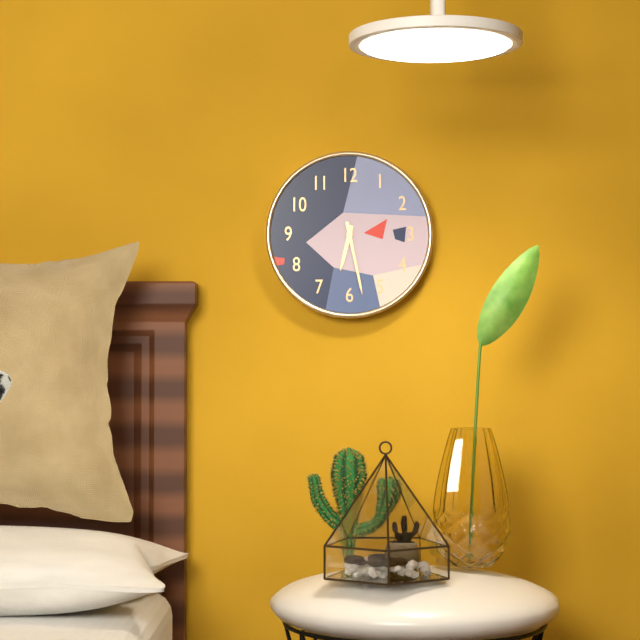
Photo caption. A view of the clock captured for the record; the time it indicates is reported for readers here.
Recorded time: 6:28
